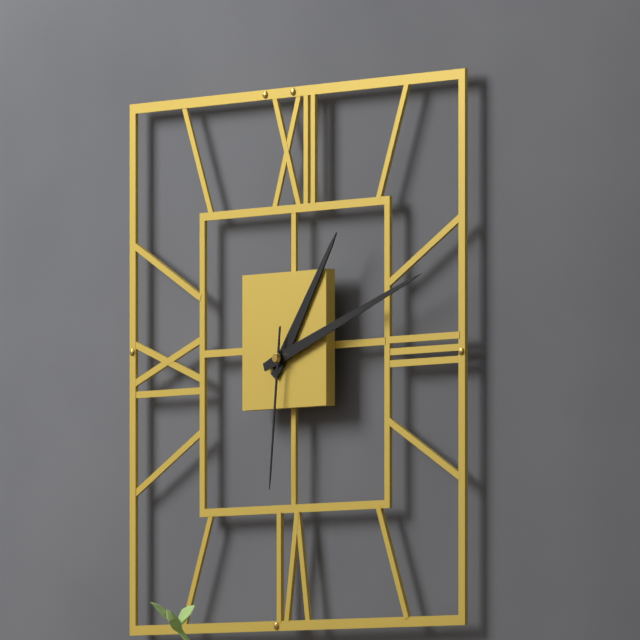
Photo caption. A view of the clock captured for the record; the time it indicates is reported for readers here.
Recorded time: 1:12:31
